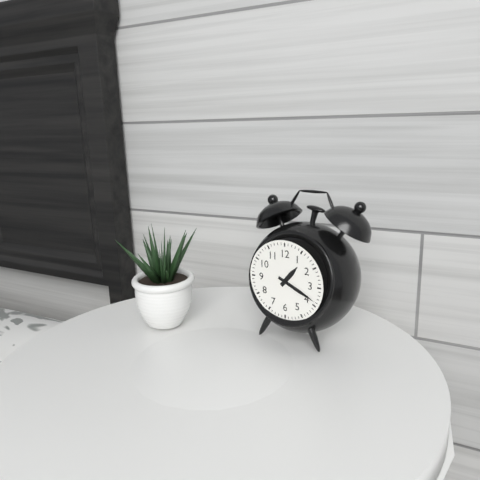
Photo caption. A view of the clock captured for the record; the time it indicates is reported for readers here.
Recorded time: 1:19
